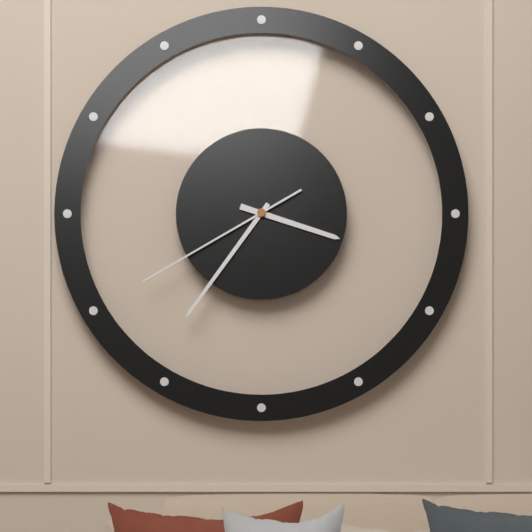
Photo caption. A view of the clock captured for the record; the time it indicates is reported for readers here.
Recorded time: 3:36:40
